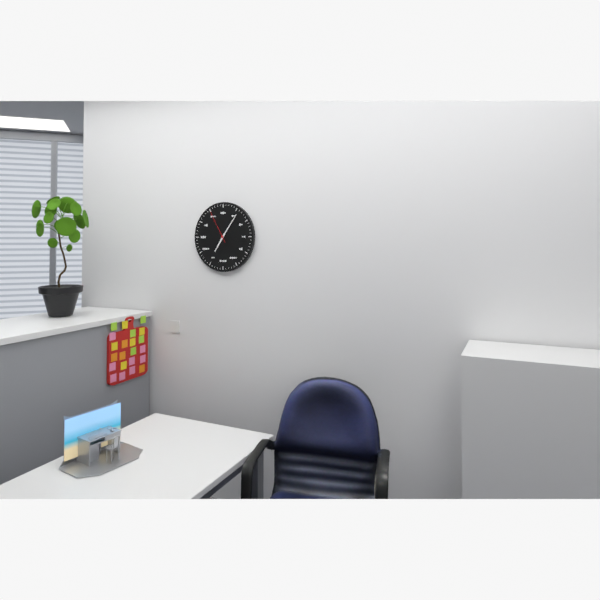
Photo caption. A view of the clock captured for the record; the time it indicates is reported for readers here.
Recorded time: 7:06
